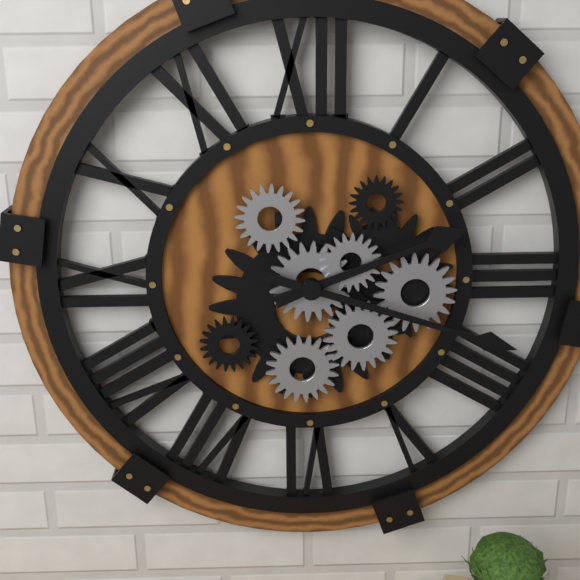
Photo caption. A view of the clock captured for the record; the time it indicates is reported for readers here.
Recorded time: 2:18
